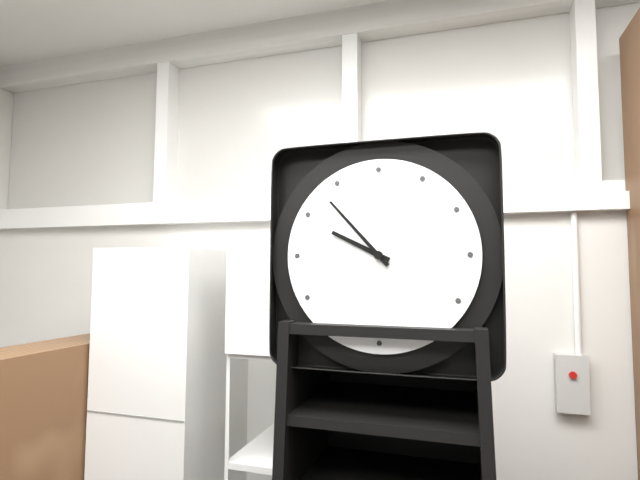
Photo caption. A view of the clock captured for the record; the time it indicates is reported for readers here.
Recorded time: 9:53
